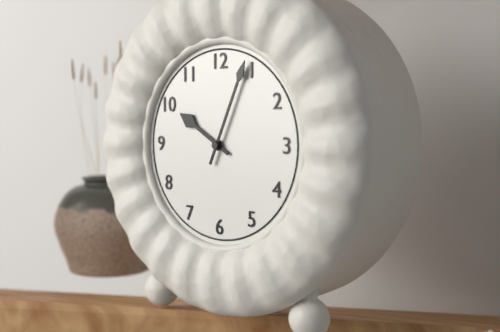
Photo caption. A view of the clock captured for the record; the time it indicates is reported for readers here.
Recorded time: 10:04
